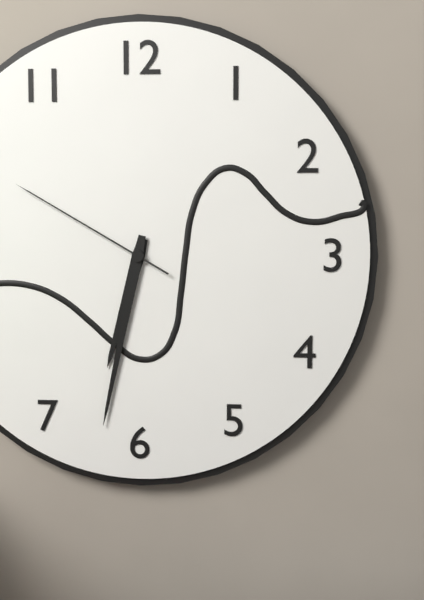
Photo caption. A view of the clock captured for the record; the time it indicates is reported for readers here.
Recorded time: 6:32:50
